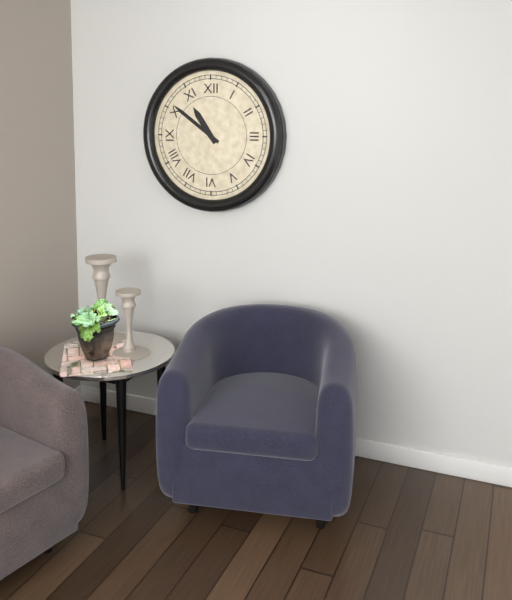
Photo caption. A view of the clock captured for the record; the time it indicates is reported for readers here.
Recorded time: 10:51
